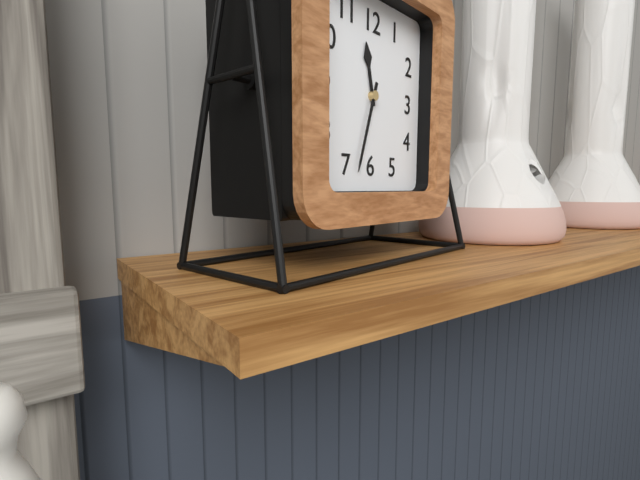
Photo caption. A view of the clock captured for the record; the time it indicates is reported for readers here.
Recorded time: 11:33
